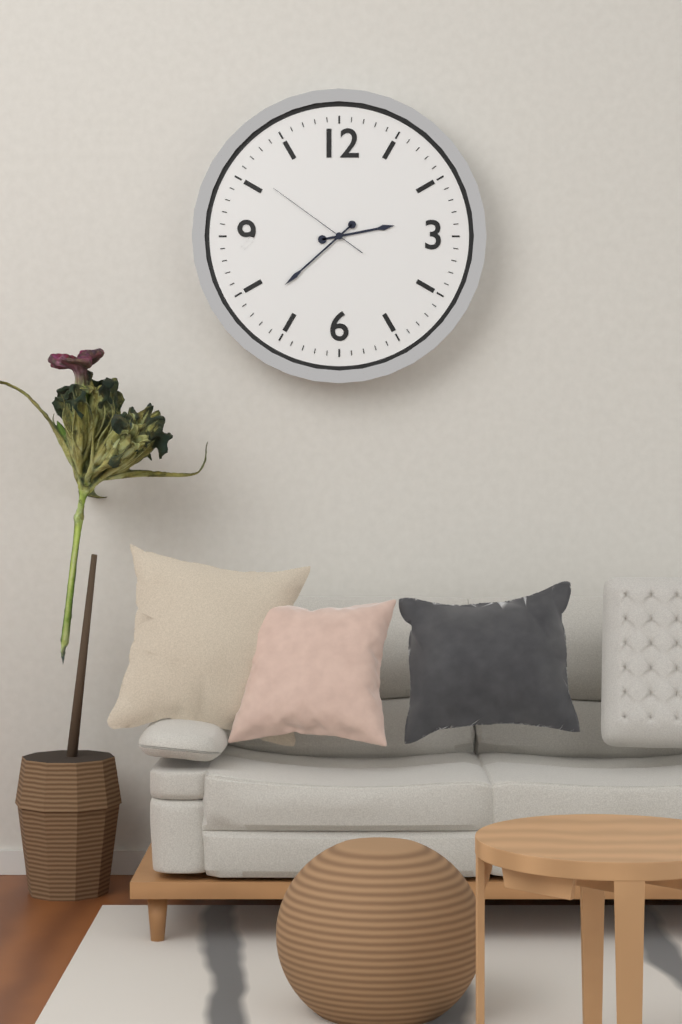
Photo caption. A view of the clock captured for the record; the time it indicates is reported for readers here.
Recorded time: 2:38:51
